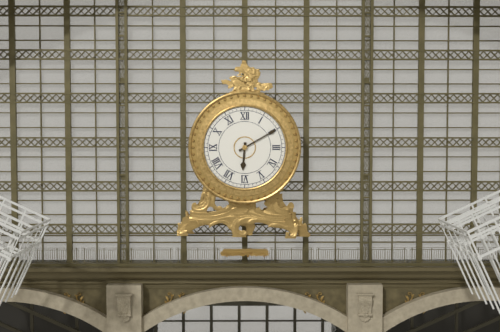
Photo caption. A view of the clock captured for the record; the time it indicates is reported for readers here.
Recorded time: 6:10
